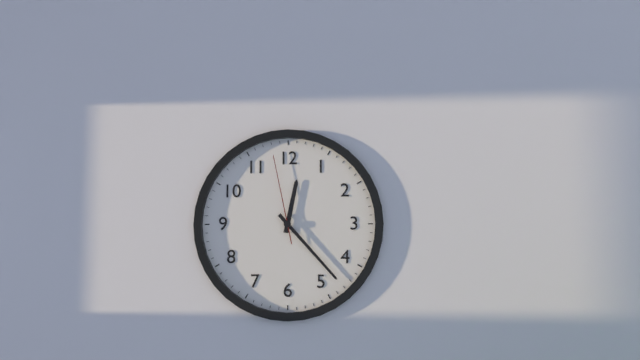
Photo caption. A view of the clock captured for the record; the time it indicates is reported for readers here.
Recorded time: 12:23:58
